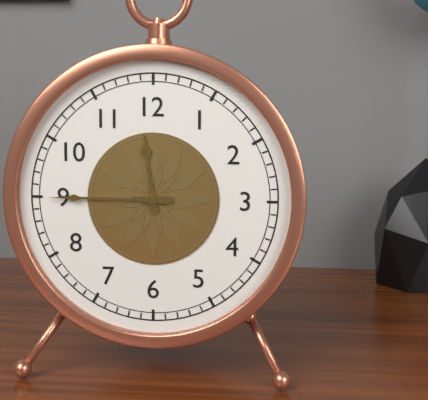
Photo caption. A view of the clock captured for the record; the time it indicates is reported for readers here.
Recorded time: 11:45
